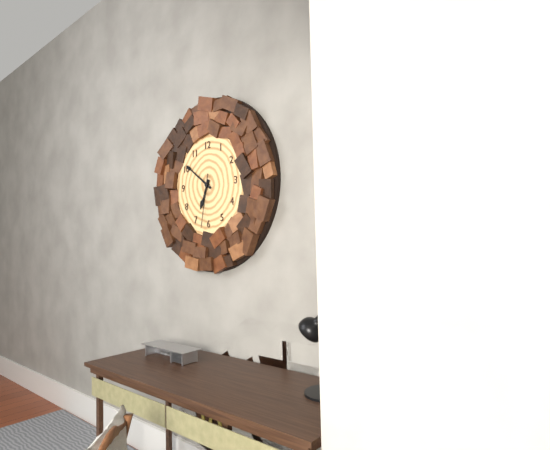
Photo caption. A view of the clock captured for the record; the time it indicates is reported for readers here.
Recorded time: 6:51:32
